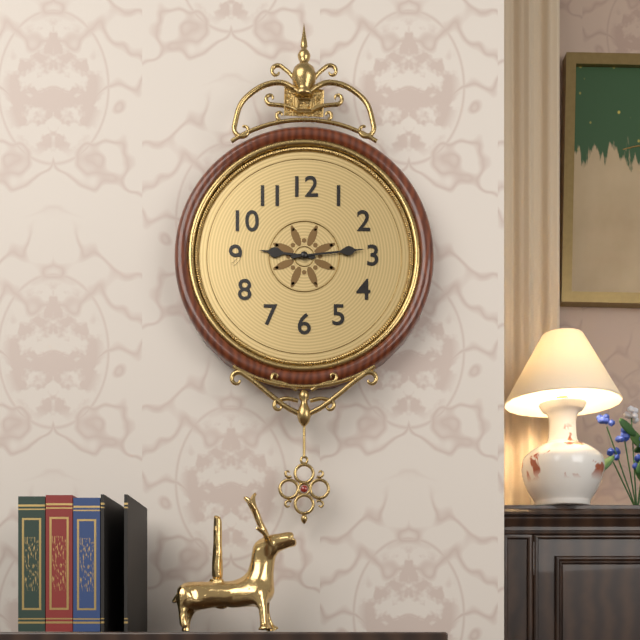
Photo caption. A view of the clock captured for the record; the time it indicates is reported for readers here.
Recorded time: 9:14
